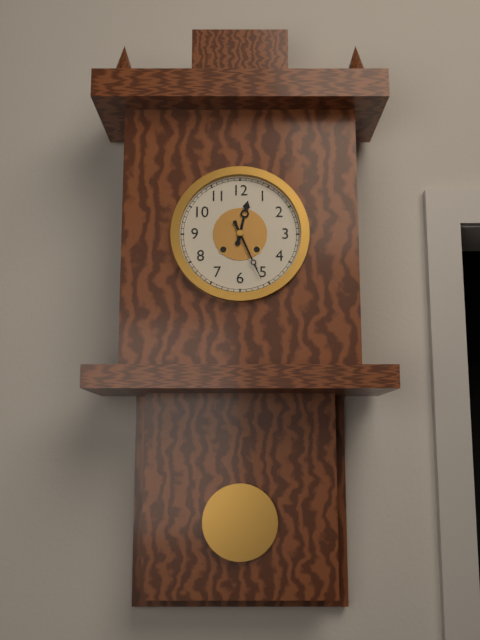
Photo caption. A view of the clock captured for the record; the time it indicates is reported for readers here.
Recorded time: 12:26
